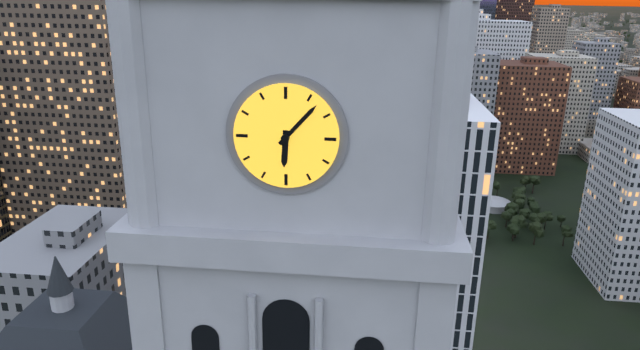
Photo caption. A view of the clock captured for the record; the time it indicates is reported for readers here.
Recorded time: 6:07
